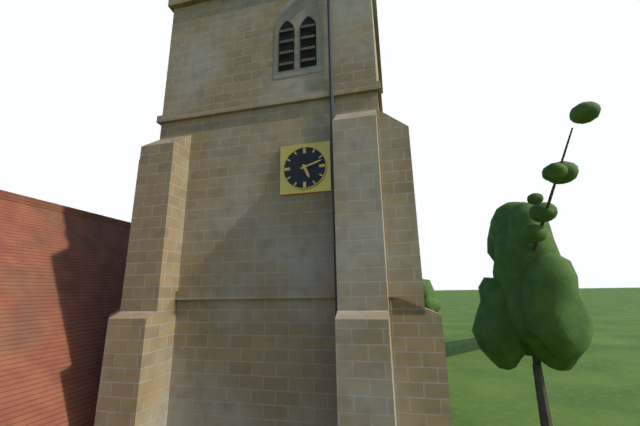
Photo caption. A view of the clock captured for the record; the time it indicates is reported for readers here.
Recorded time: 5:12
